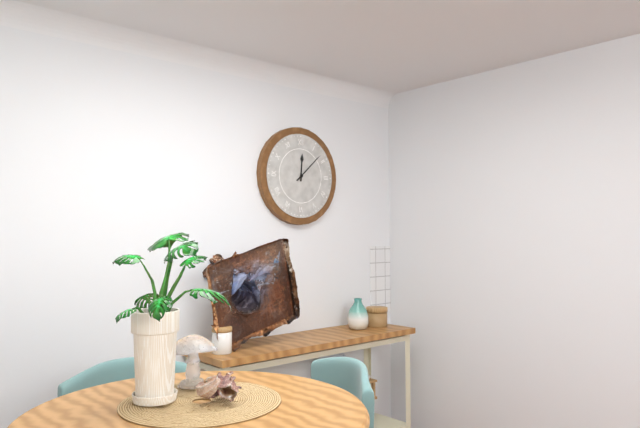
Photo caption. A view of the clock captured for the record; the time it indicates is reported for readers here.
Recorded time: 12:08
